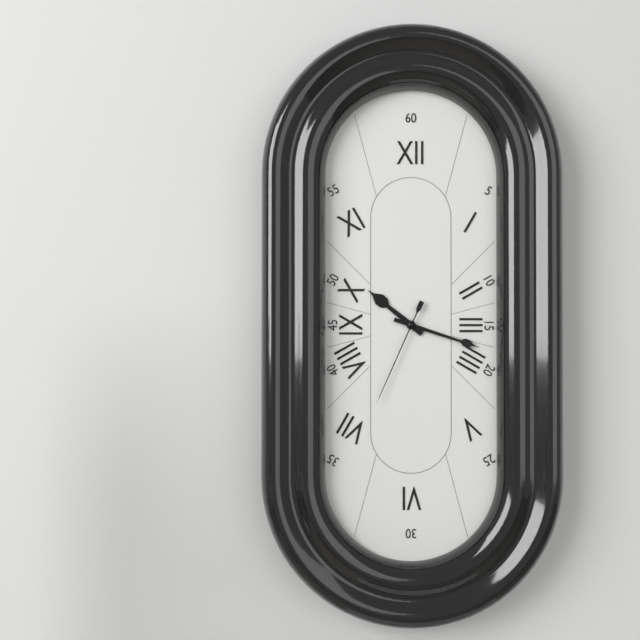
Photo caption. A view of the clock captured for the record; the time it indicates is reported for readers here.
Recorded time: 10:18:34
